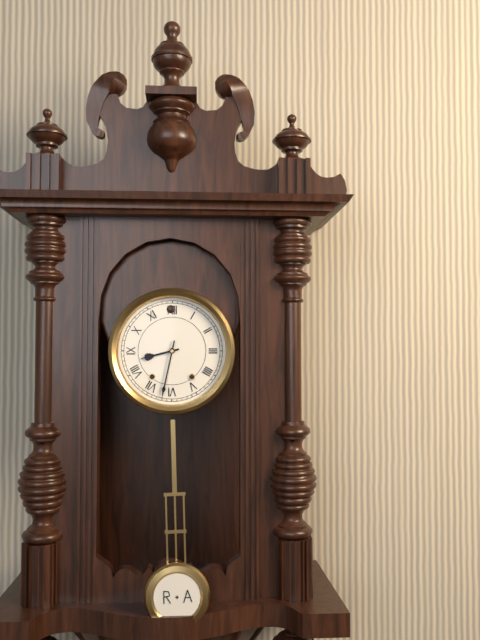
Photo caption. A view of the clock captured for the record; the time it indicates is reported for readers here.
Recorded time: 8:32
